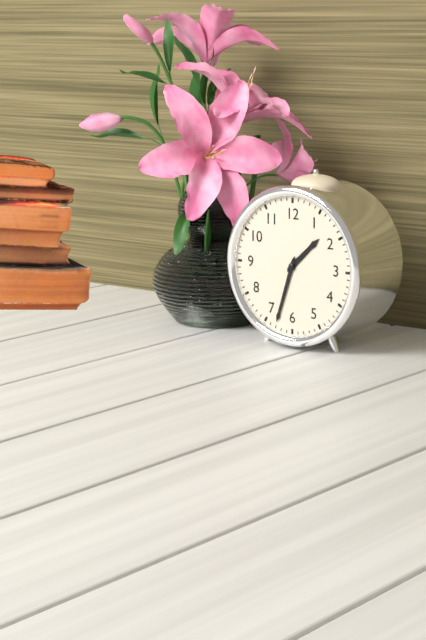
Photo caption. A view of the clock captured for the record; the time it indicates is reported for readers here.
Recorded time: 1:33
